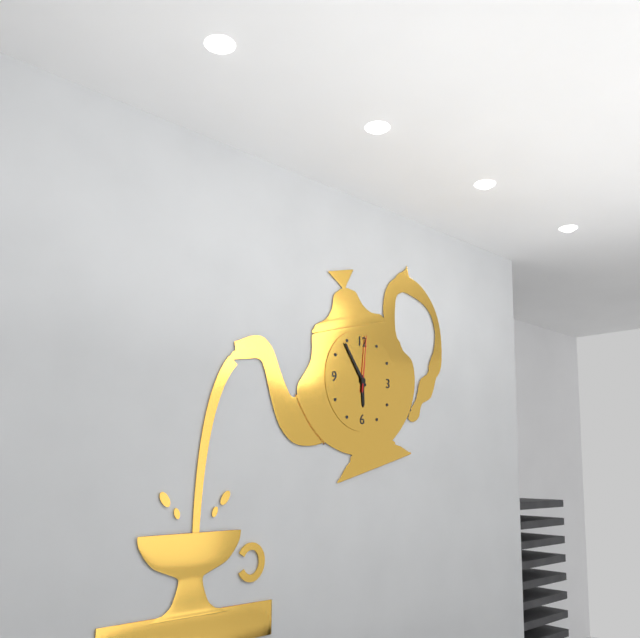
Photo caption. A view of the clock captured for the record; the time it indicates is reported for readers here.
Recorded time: 5:54:01
